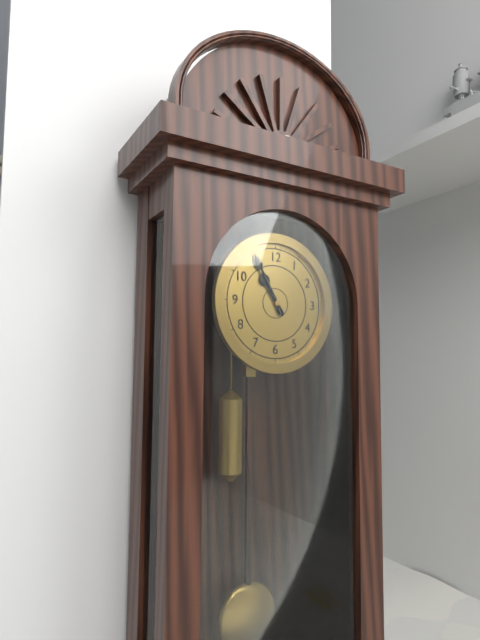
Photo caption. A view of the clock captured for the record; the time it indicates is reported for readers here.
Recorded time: 10:55
